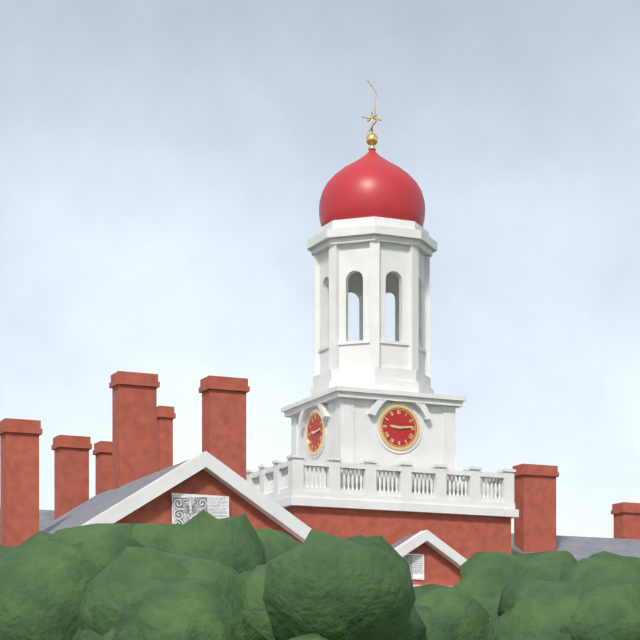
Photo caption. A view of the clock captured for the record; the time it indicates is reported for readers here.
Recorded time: 9:14
